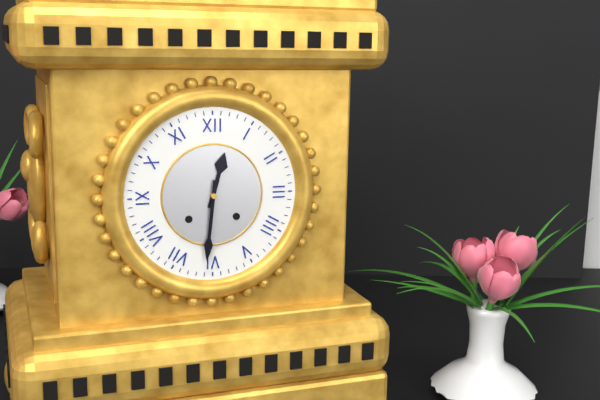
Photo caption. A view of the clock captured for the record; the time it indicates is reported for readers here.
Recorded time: 12:31
